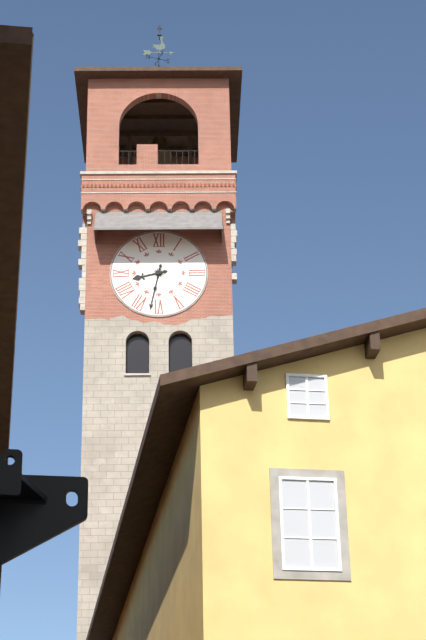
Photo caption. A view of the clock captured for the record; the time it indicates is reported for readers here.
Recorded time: 8:32
